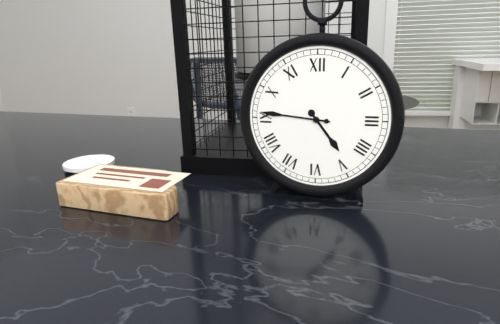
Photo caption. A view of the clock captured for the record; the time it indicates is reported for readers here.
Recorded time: 4:46
